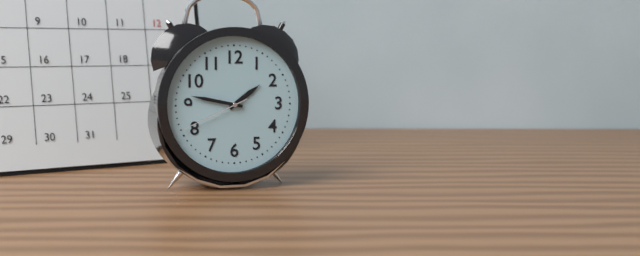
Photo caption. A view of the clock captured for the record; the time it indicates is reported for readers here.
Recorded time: 1:47:41
